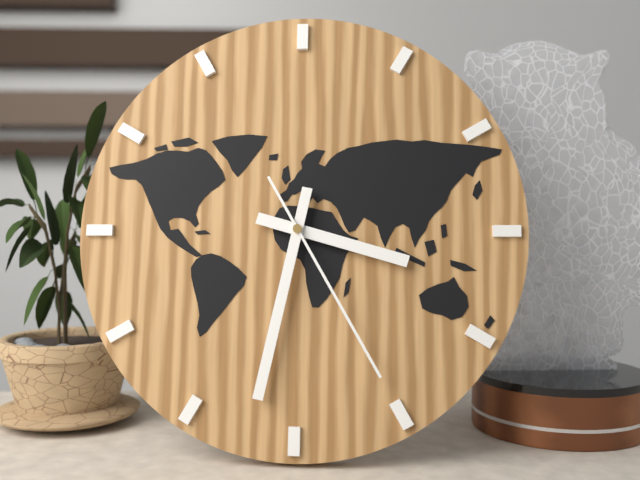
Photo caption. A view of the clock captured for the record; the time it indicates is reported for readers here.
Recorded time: 3:32:25
